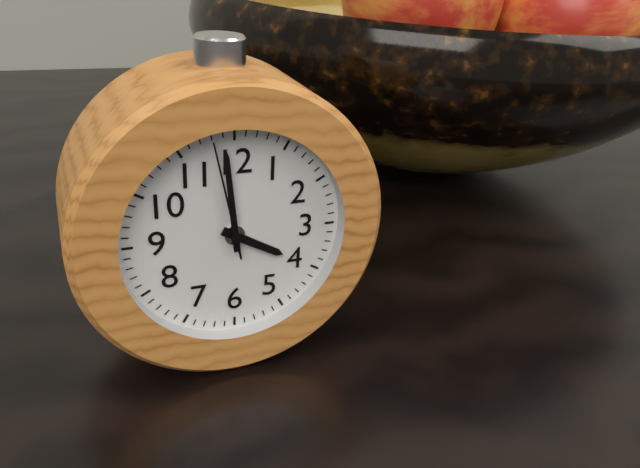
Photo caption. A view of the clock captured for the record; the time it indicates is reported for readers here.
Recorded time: 3:59:58
